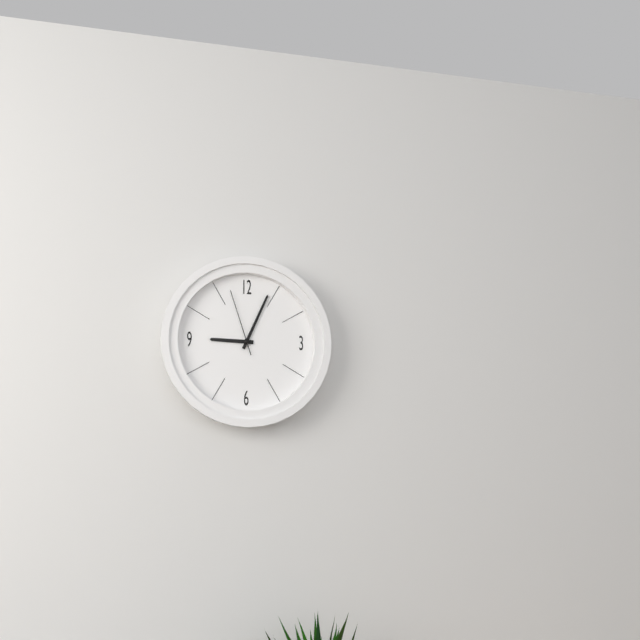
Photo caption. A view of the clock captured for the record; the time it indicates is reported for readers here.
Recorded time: 9:04:57
